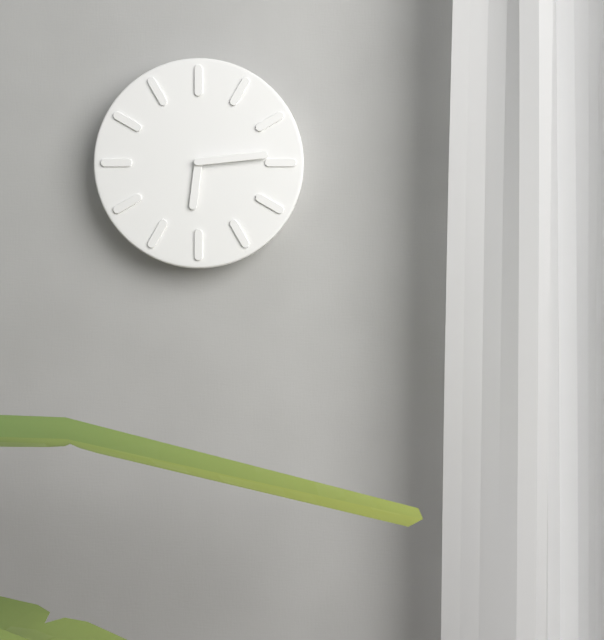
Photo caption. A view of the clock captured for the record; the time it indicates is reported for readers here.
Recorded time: 6:14
